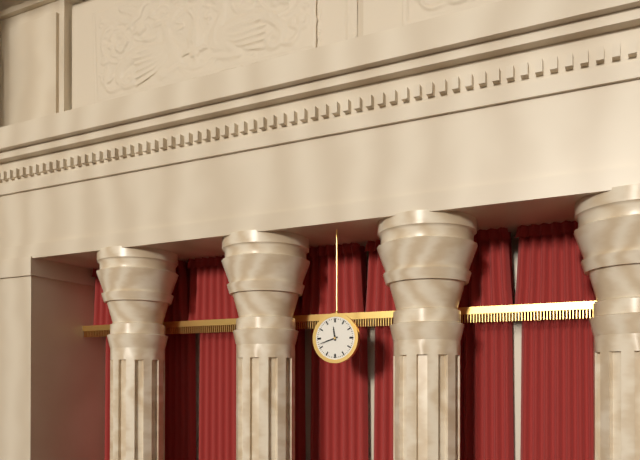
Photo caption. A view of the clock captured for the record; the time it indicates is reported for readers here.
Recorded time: 11:42
